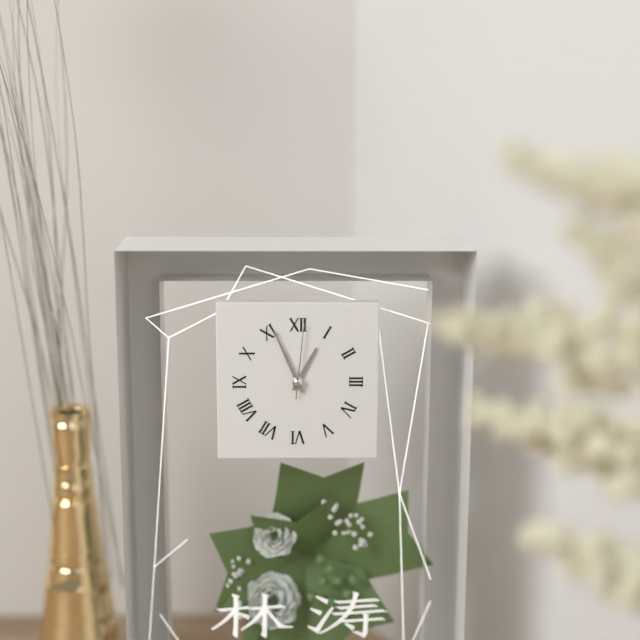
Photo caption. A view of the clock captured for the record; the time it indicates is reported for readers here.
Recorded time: 12:56:01
